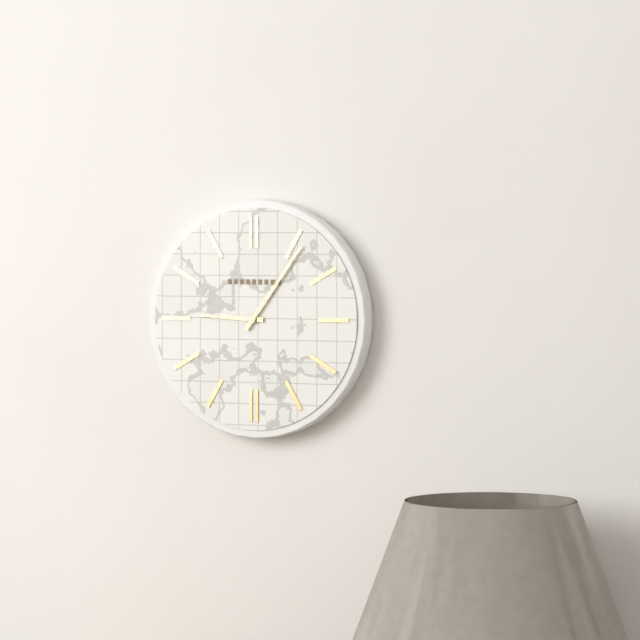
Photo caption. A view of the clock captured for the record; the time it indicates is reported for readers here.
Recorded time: 9:06
